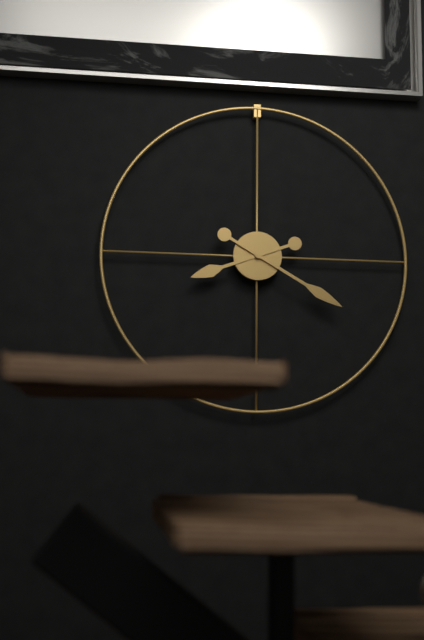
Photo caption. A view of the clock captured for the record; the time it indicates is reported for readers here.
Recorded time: 8:20
